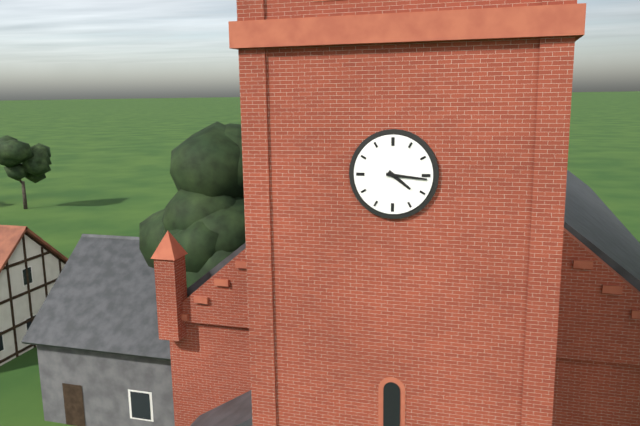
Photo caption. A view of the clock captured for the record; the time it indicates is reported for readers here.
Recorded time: 4:16
